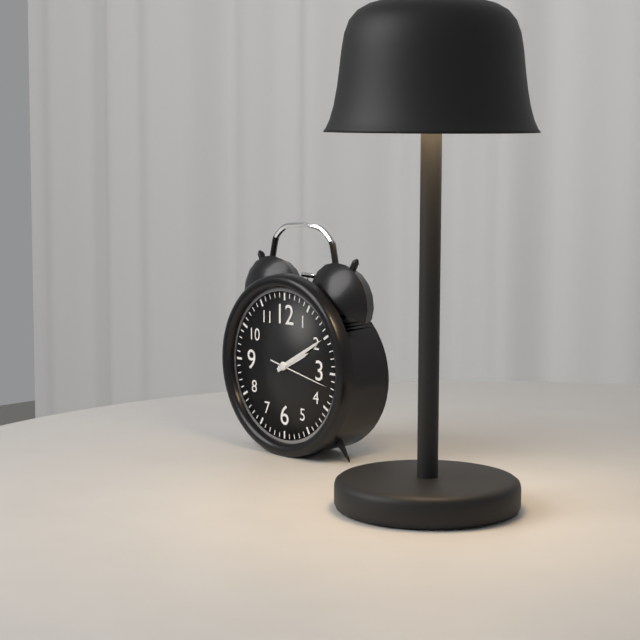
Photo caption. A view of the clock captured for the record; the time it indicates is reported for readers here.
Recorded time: 2:10:17
